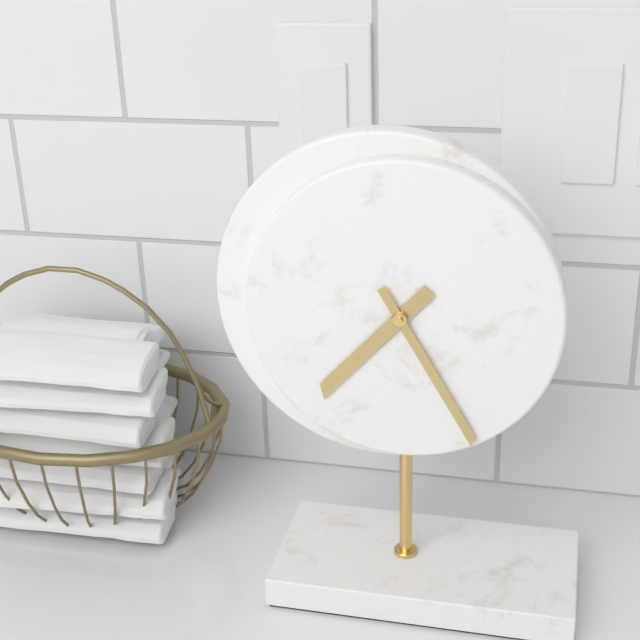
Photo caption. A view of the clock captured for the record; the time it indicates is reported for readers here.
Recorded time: 7:25
